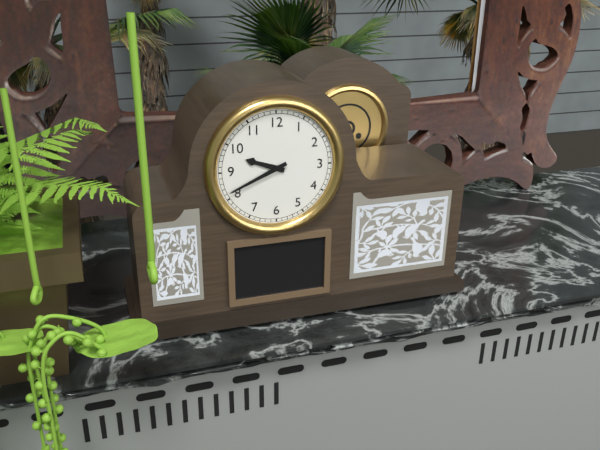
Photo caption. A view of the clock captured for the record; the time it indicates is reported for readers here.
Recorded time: 9:41
